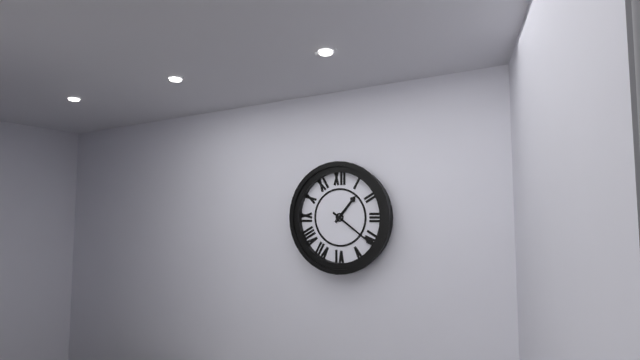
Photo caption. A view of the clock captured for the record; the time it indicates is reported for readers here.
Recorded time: 1:21
